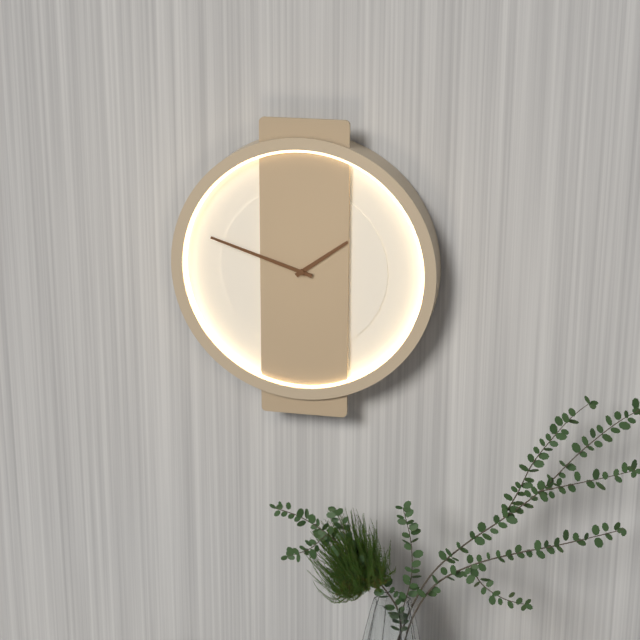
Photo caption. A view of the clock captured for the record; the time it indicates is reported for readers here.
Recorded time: 1:48
